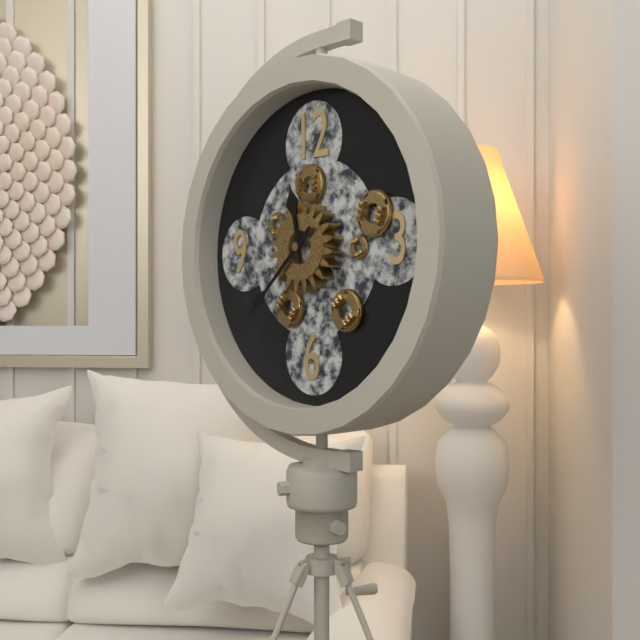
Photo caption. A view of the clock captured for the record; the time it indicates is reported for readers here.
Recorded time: 11:38
